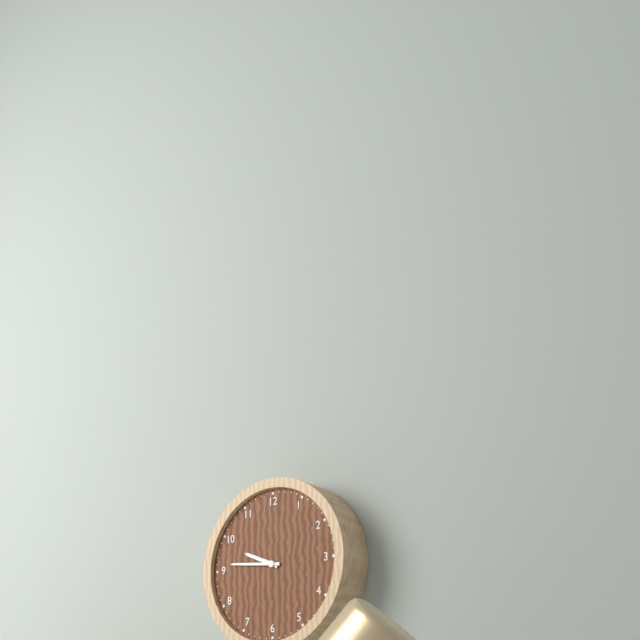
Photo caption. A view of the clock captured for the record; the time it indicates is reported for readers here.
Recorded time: 9:46
